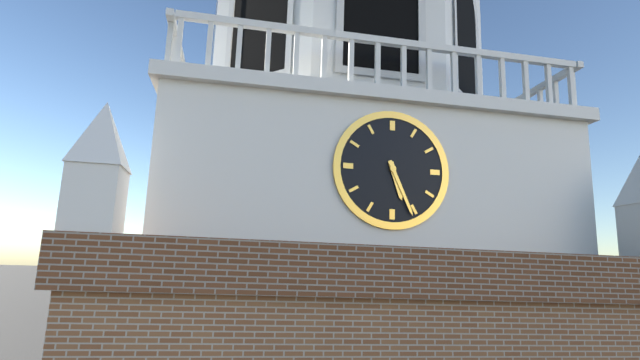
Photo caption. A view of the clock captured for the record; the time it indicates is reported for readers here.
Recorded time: 5:26
